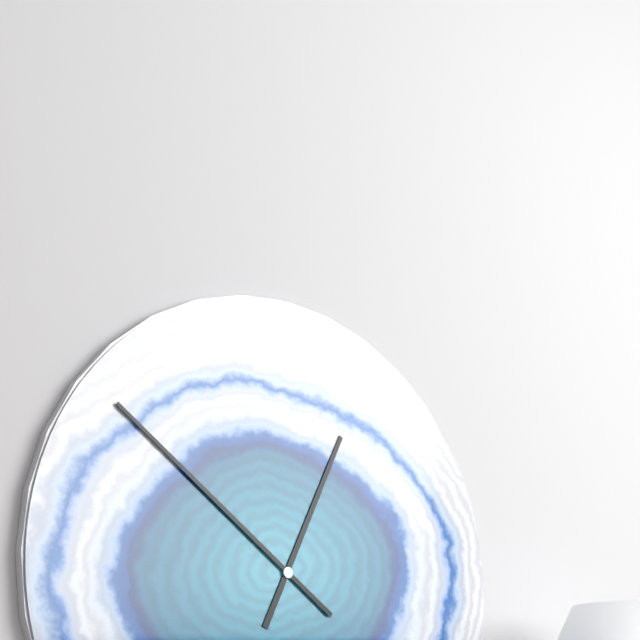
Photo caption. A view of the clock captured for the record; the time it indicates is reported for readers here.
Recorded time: 12:51
